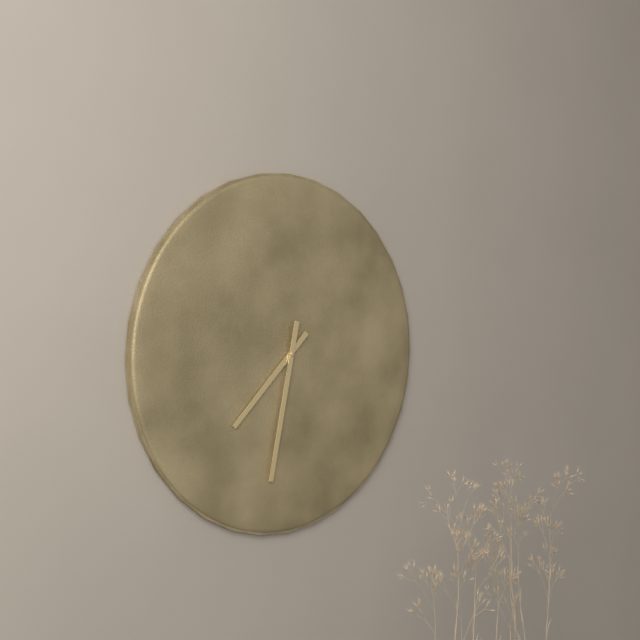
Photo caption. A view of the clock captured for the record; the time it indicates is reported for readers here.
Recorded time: 7:32
